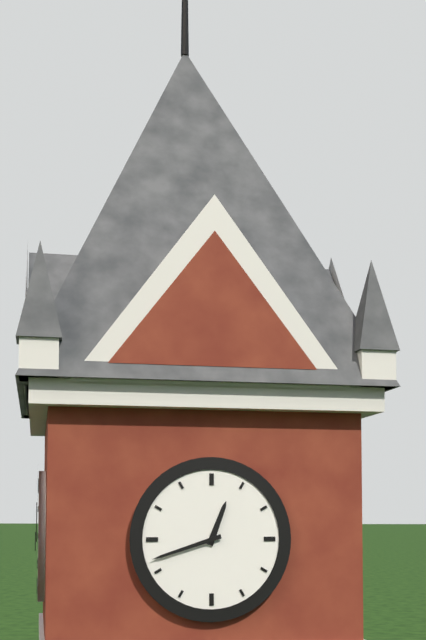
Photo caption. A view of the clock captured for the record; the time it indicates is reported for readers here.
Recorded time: 12:42
